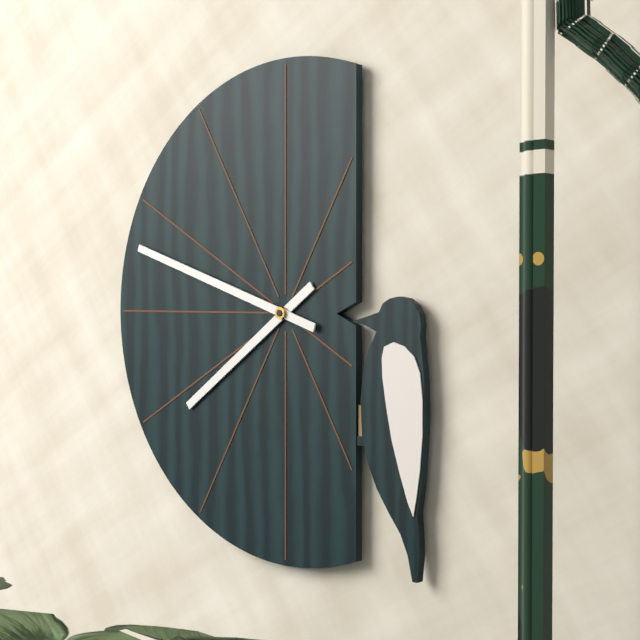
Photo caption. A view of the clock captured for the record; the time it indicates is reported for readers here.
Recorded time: 7:48
